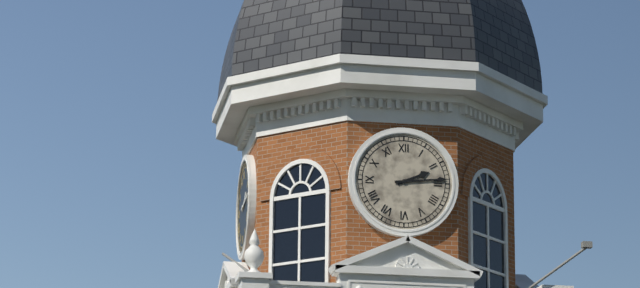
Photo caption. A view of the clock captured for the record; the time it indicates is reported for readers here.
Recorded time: 2:14
